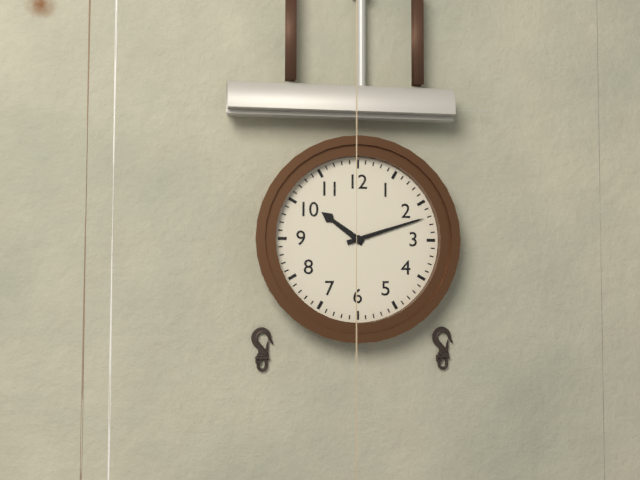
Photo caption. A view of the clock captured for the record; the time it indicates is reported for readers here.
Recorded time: 10:12
